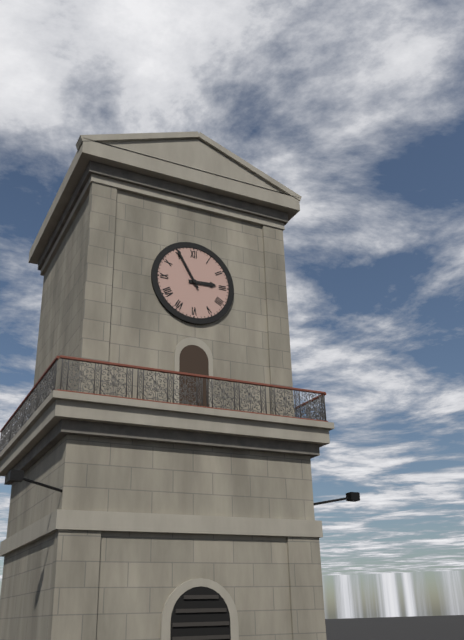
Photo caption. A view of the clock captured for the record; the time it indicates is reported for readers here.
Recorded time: 2:55
